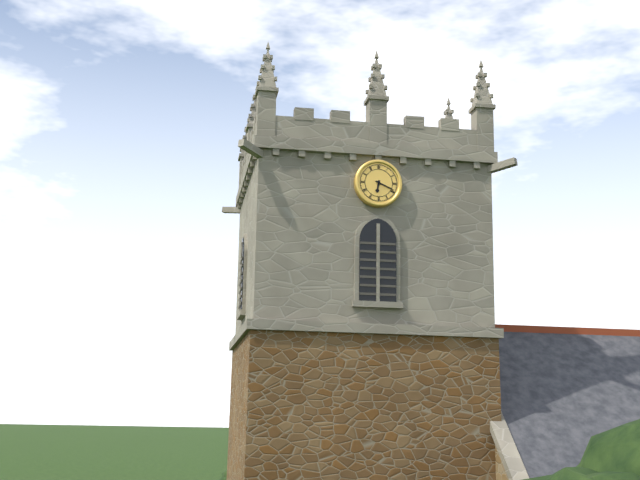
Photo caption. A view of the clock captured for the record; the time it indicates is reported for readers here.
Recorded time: 6:19
